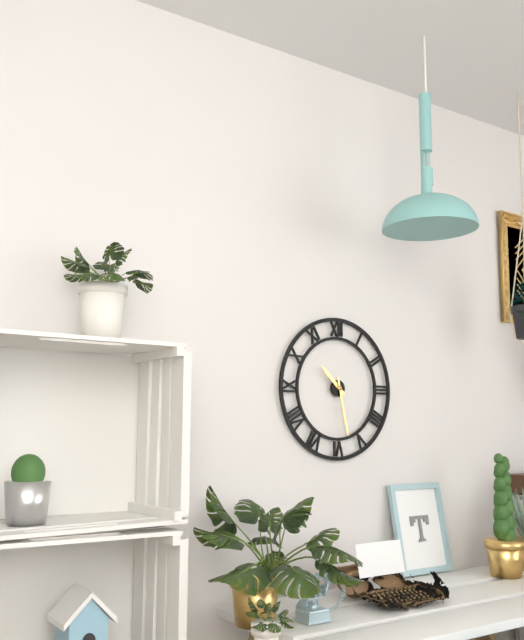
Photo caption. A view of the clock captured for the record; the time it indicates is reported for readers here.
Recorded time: 10:28
